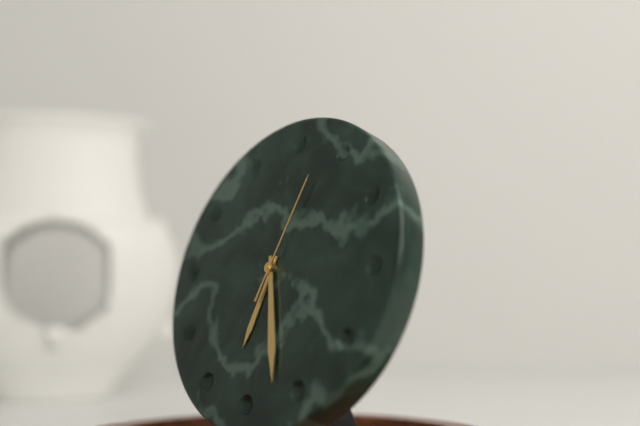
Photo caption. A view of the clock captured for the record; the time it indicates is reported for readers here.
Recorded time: 6:27:03
